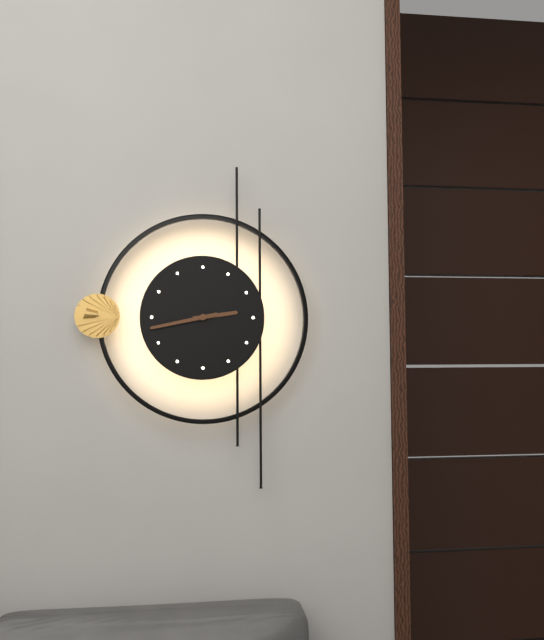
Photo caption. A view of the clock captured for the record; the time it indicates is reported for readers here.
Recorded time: 2:43
